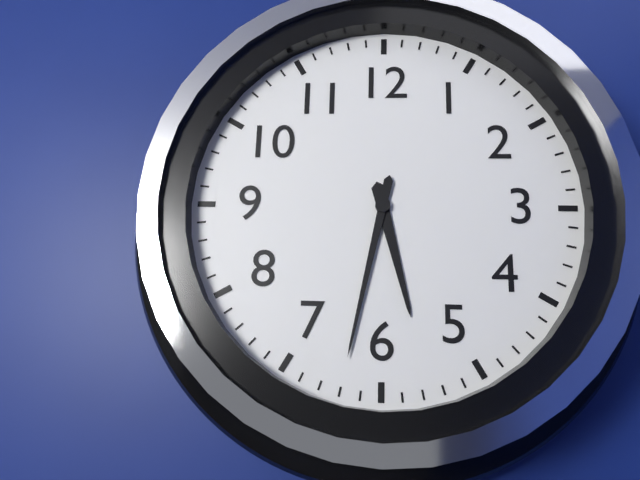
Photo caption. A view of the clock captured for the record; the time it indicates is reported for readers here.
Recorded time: 5:32
